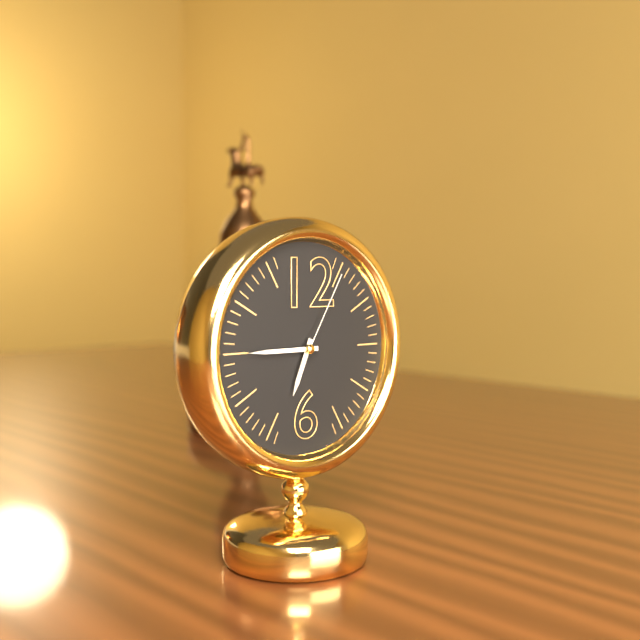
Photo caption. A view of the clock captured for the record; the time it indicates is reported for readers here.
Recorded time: 6:45:05
